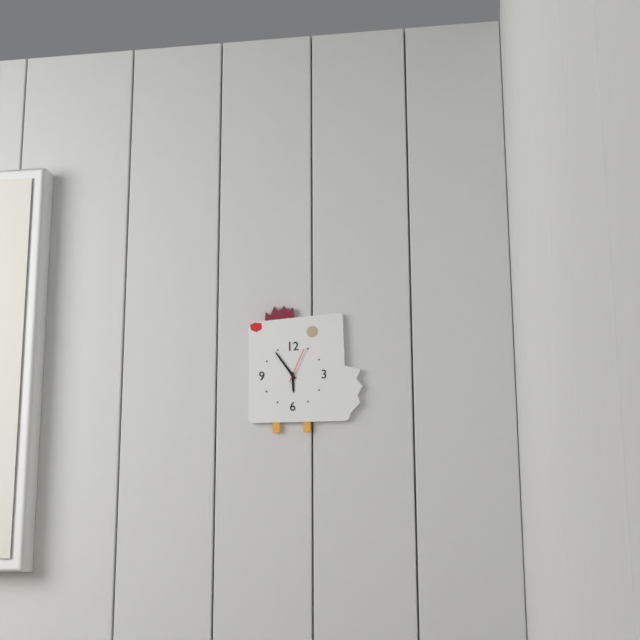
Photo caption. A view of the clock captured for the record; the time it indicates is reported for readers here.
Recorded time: 5:54
